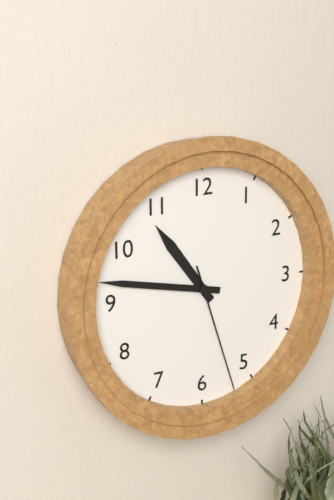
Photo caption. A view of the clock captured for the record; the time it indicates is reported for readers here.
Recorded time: 10:47:27
